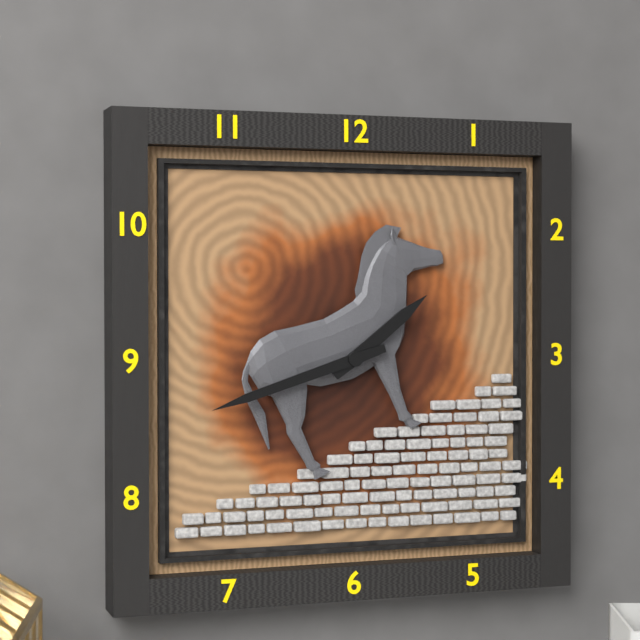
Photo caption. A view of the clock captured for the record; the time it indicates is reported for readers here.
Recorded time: 1:42
